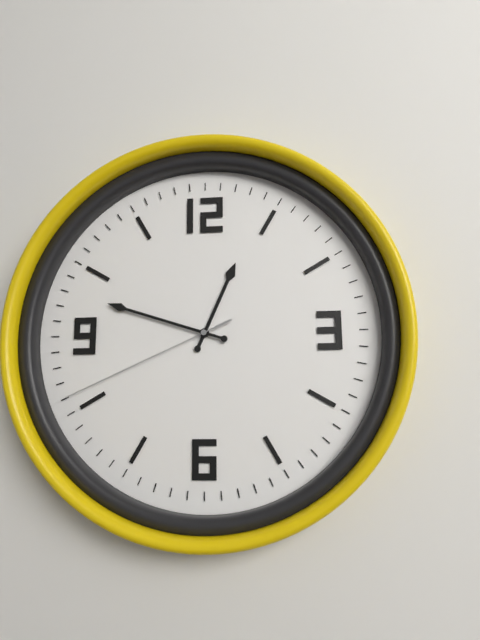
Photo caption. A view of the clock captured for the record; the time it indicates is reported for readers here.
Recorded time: 12:48:41
